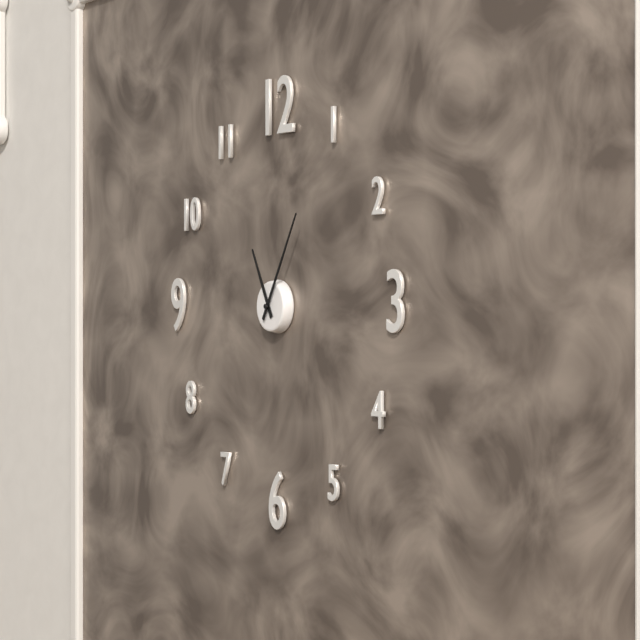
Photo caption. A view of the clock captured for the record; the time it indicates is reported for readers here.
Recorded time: 11:05
